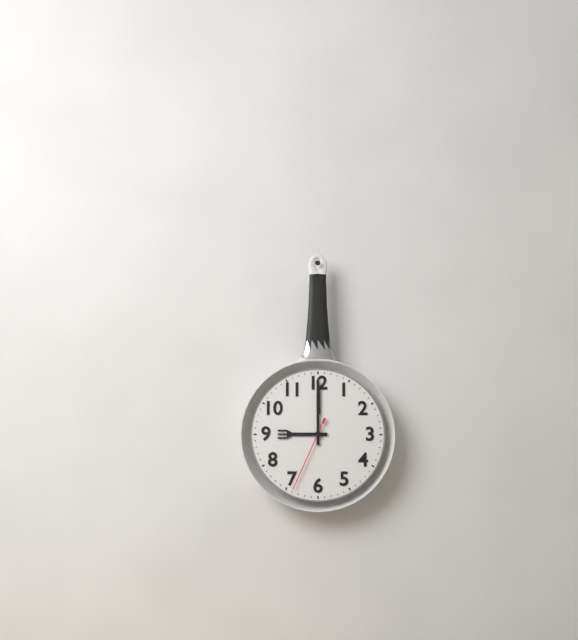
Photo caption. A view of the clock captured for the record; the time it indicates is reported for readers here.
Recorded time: 9:00:34
